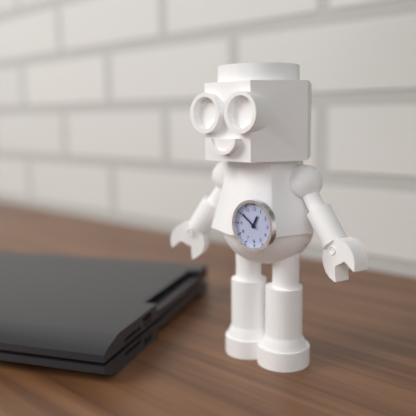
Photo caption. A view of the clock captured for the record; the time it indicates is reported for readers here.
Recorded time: 12:51
